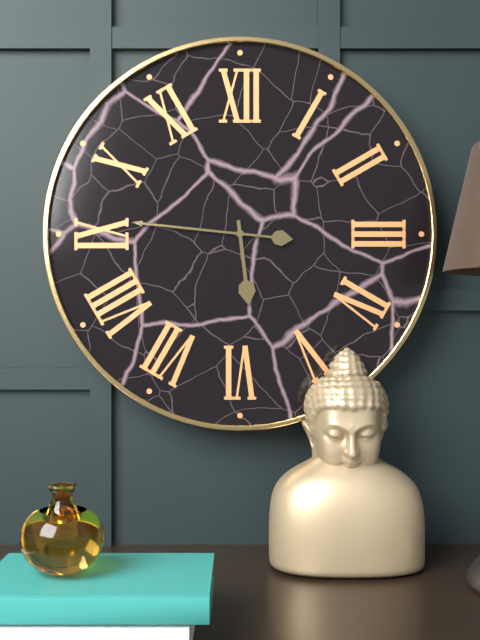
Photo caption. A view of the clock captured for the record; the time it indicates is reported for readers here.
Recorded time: 5:46
